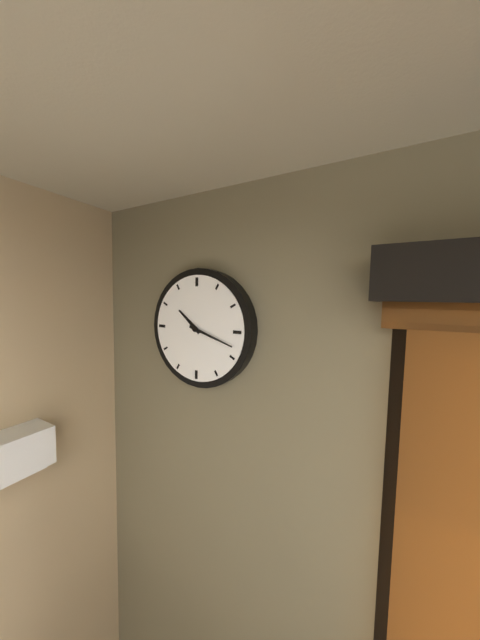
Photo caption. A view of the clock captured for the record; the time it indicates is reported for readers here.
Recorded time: 10:18
